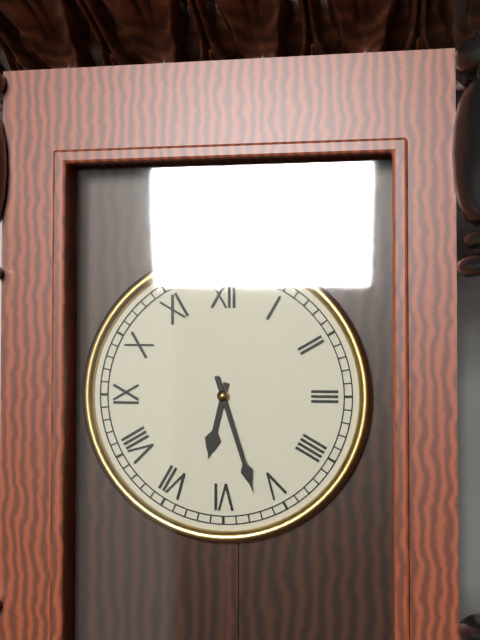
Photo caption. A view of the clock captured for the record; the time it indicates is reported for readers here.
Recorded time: 6:27
